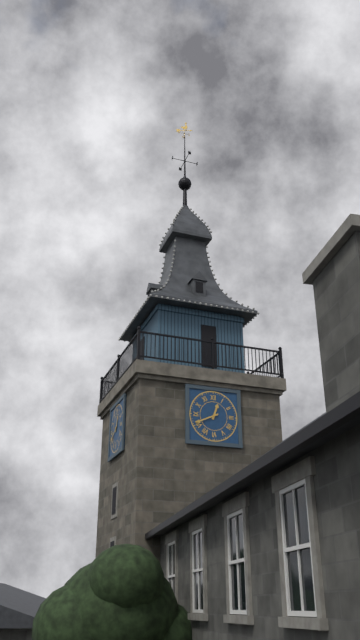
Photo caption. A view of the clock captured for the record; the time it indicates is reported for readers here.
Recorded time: 12:41
